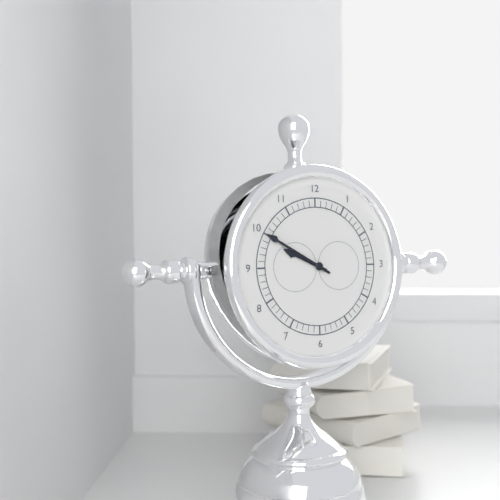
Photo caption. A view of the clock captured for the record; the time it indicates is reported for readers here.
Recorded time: 9:50
